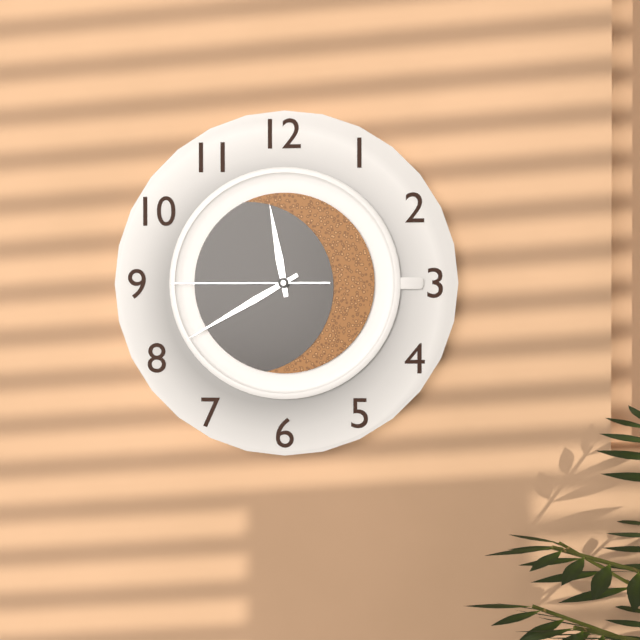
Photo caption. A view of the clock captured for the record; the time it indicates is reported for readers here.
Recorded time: 11:40:45
